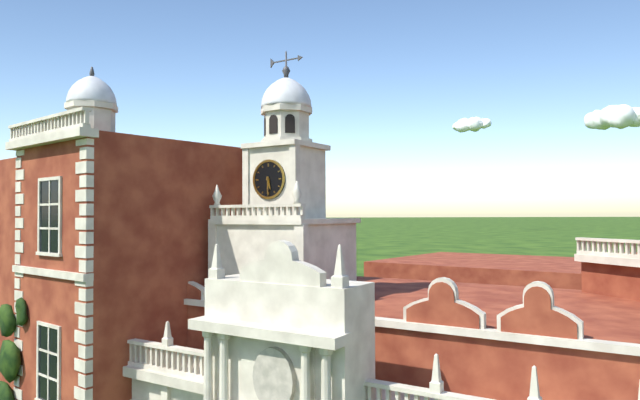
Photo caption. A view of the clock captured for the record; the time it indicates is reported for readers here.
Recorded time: 5:30
